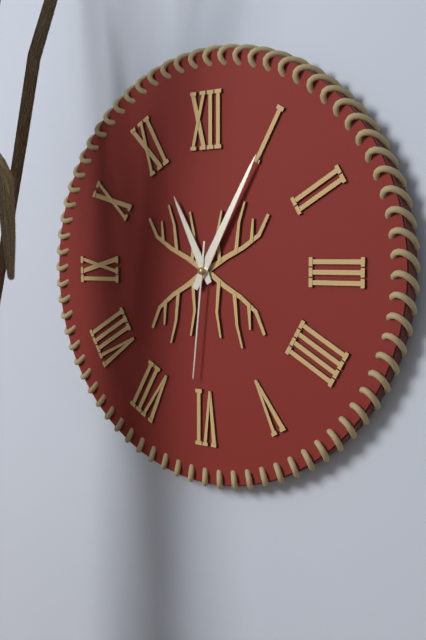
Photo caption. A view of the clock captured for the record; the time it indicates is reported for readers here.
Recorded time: 11:05:31
